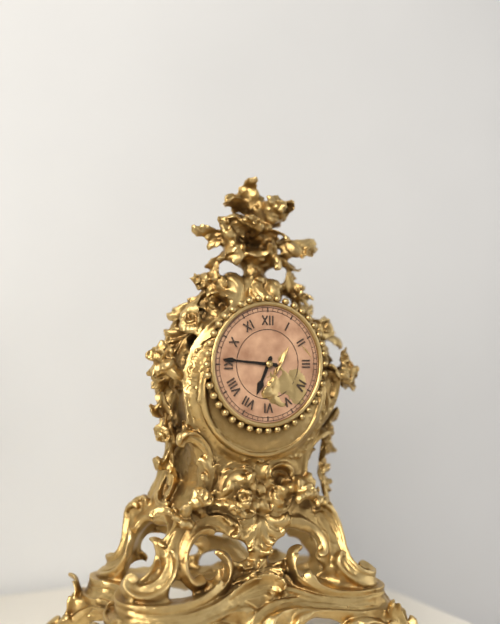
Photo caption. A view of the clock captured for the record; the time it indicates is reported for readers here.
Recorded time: 6:46
